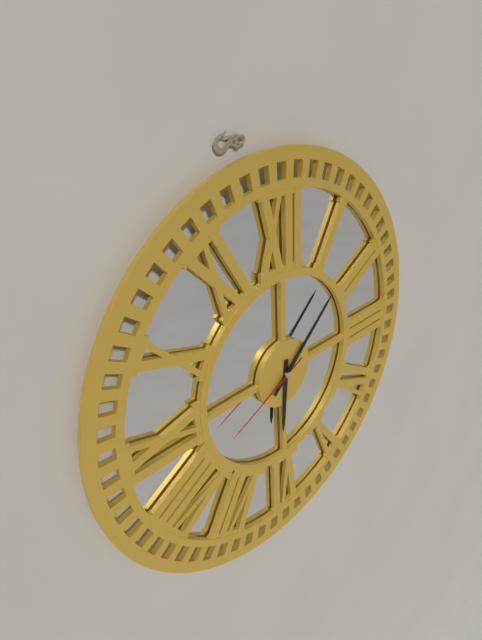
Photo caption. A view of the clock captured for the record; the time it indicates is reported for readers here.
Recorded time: 6:08:41
